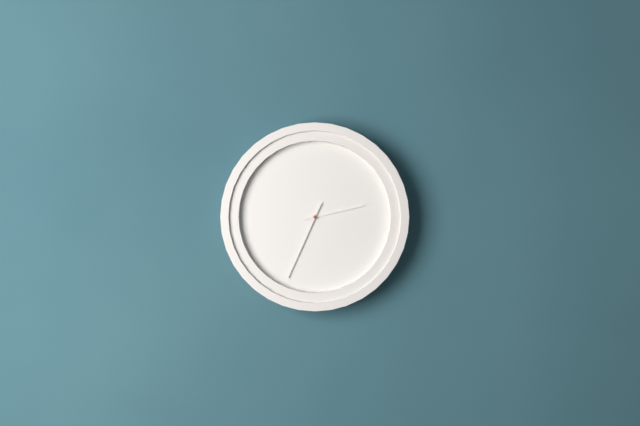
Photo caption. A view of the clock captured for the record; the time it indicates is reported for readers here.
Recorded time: 2:34
